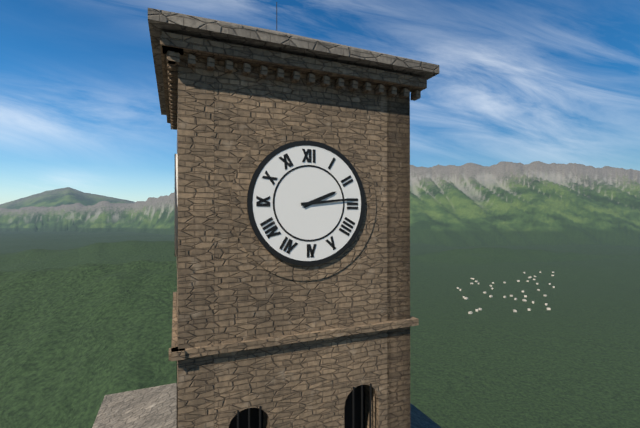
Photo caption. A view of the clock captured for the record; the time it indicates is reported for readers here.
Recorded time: 2:14
